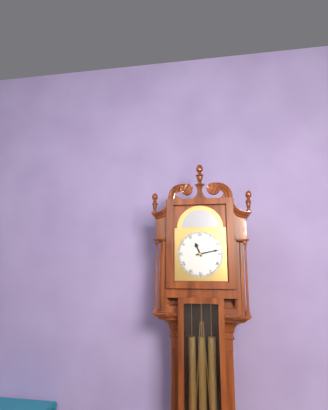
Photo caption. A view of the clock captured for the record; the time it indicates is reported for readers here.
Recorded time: 11:13
